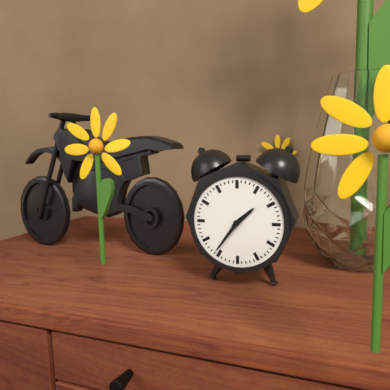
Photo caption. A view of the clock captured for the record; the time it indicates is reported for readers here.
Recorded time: 1:36
